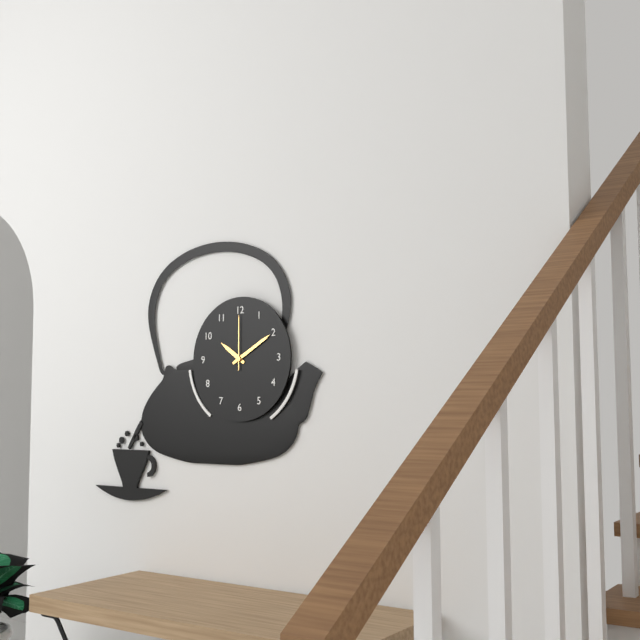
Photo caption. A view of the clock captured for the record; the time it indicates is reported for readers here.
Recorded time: 10:10:00
